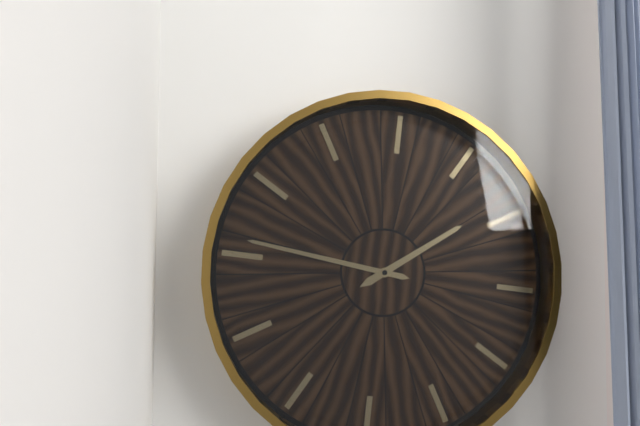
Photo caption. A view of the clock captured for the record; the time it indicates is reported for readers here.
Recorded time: 1:46
